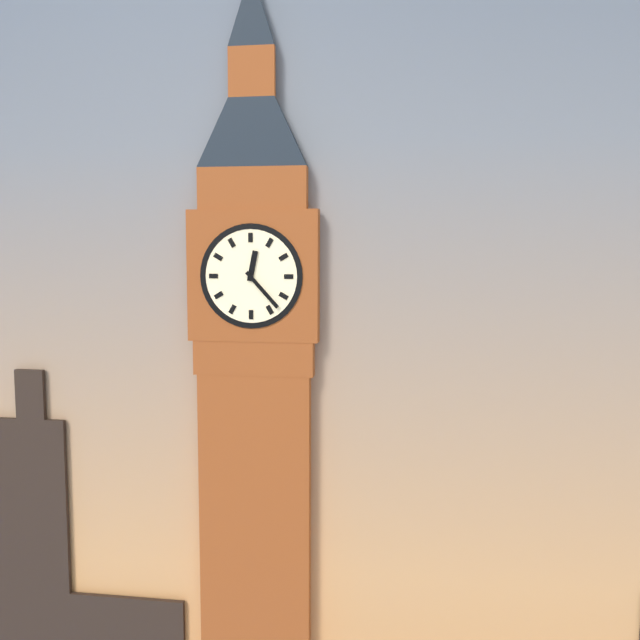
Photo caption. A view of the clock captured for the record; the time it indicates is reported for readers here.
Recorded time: 12:23
